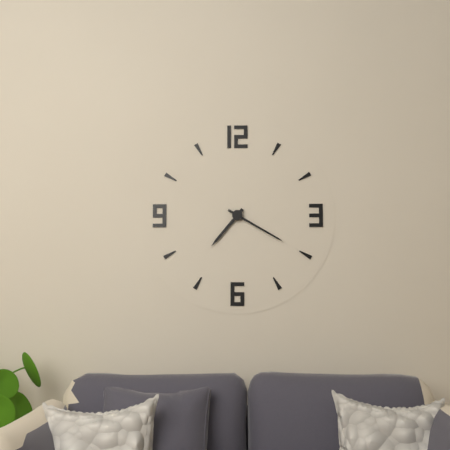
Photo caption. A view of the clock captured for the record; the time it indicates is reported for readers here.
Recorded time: 7:20
